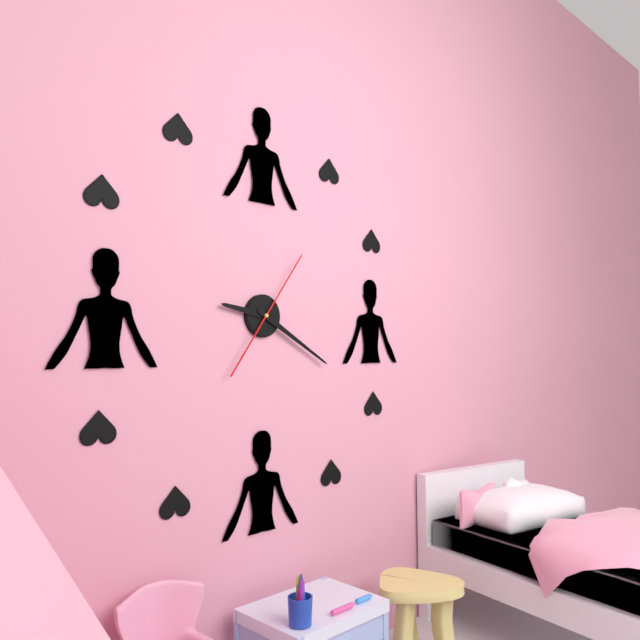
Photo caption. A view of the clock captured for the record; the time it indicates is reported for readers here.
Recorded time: 9:20:06
